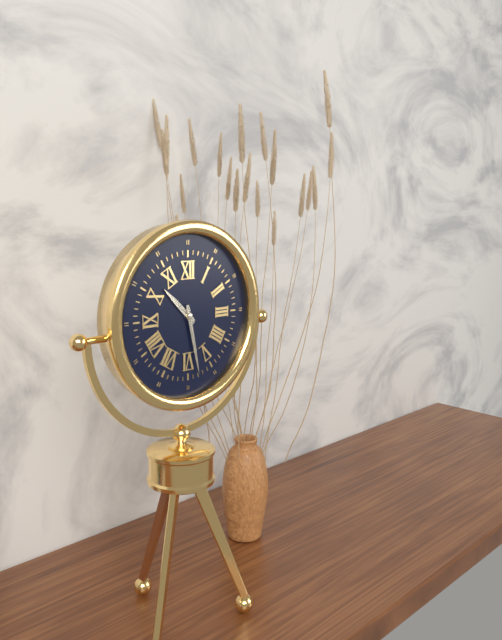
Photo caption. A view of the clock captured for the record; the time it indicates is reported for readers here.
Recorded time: 10:28
